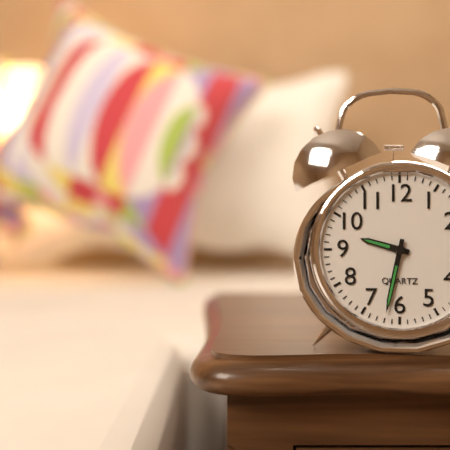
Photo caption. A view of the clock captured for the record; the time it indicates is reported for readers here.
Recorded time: 9:32
